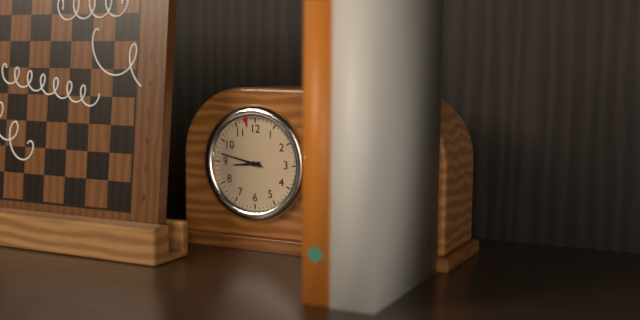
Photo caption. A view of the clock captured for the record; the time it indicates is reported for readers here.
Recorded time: 8:47
